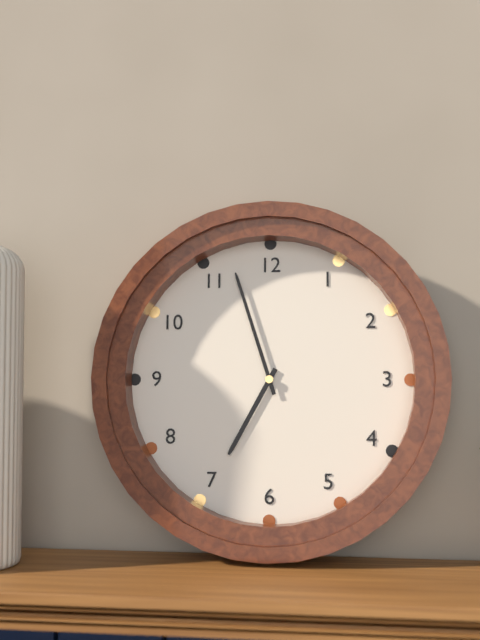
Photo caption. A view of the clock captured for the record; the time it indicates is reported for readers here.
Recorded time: 6:57
